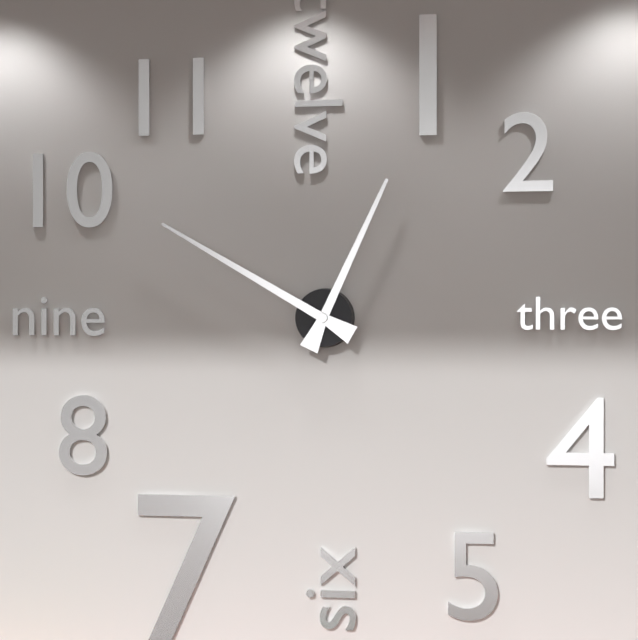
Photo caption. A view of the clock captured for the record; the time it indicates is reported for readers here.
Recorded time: 12:50
